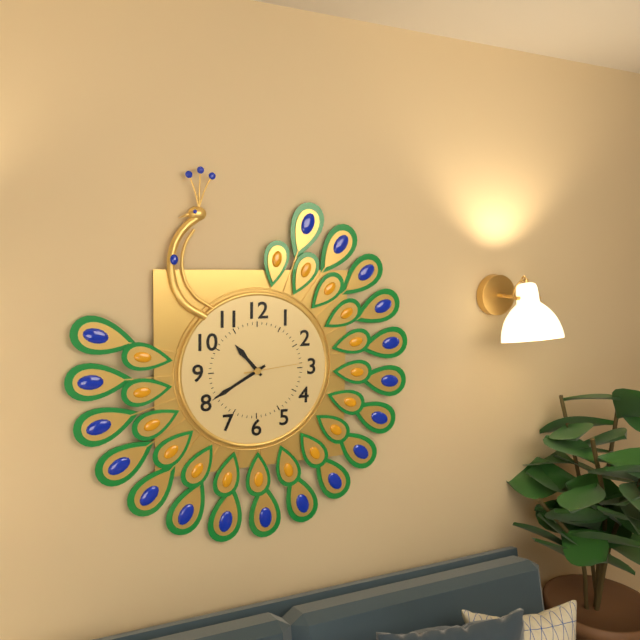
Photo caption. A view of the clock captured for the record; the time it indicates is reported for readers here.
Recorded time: 10:40:14
